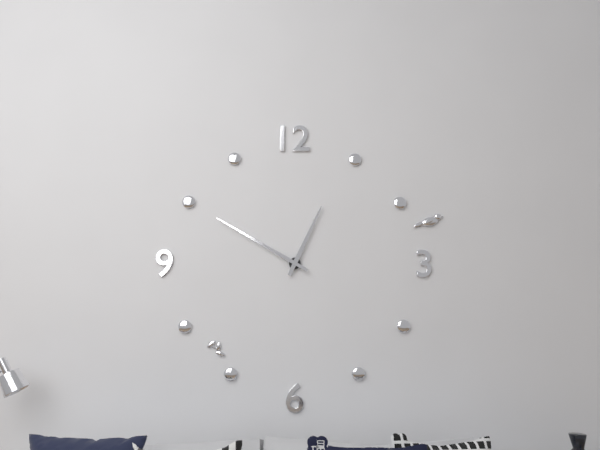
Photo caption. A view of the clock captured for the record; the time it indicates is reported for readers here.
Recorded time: 12:50
